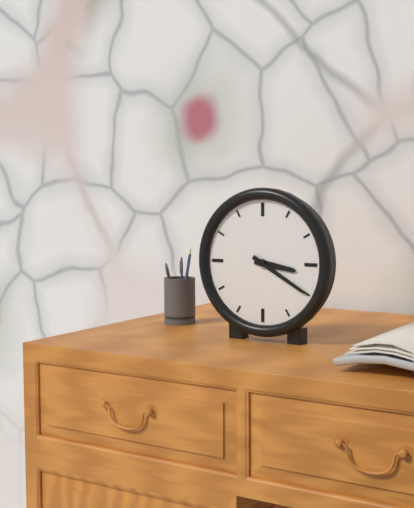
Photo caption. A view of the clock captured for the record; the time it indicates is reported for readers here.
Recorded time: 3:20
